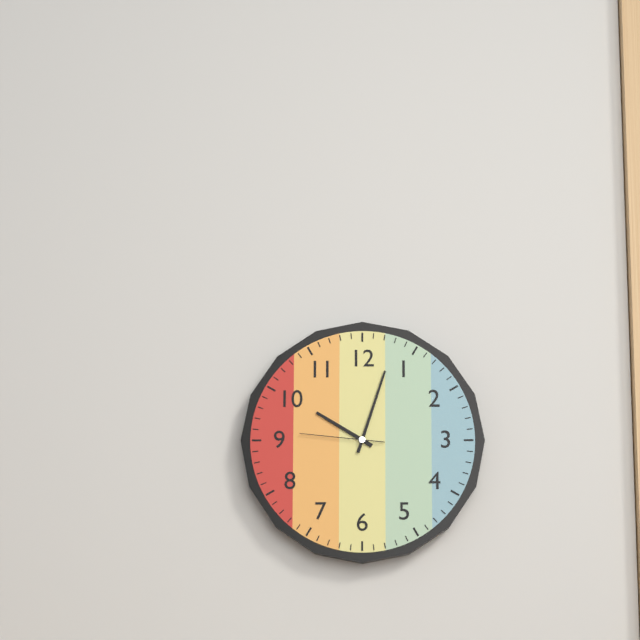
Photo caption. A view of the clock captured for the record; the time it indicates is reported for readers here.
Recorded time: 10:03:46
